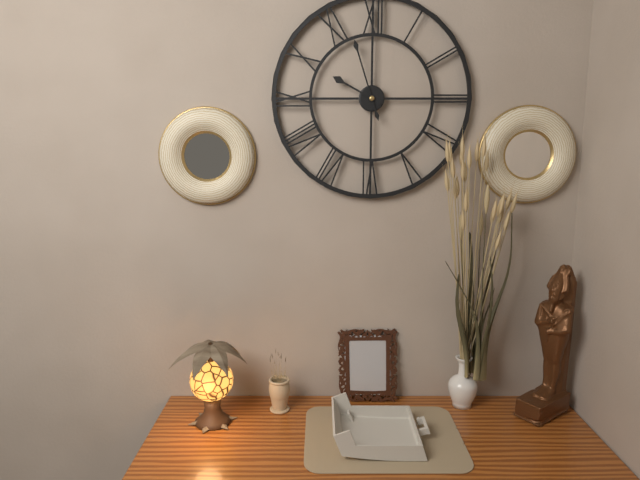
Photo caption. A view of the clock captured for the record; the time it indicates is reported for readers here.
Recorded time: 9:57
